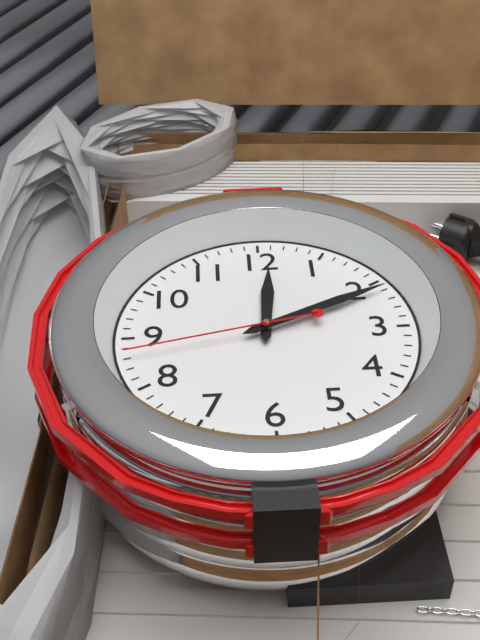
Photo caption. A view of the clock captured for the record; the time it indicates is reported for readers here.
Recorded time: 12:11:43
